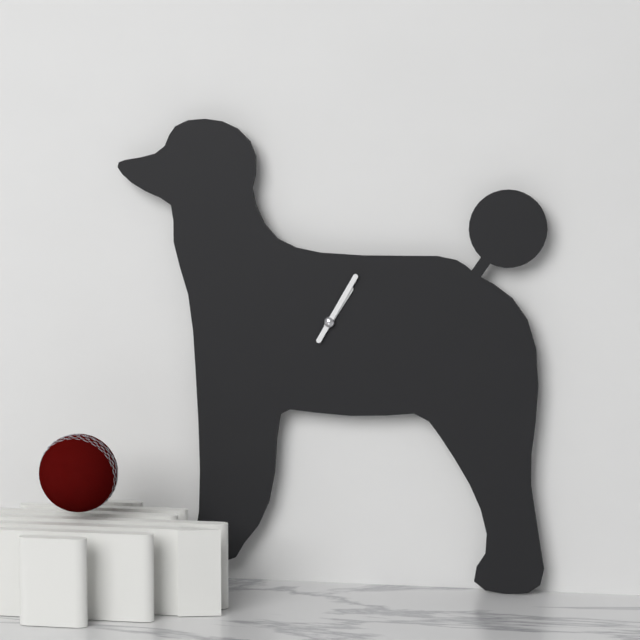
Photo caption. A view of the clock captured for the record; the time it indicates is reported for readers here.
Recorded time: 1:05
